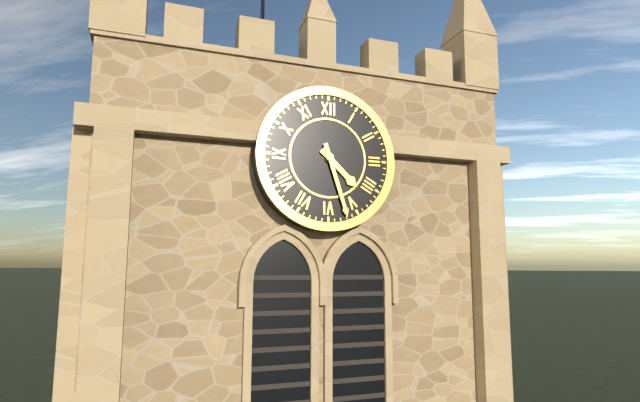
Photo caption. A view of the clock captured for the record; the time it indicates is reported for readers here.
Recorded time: 4:27
